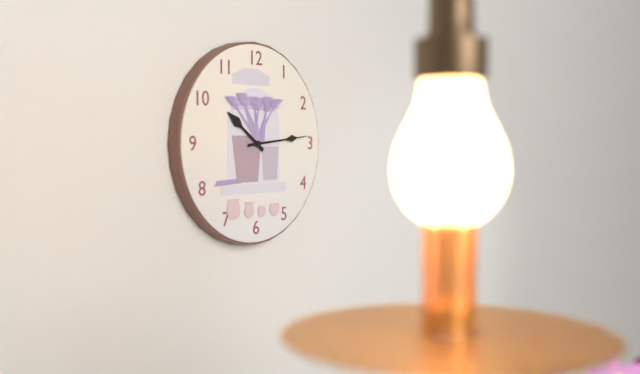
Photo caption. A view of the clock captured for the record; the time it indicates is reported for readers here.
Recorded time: 10:14
